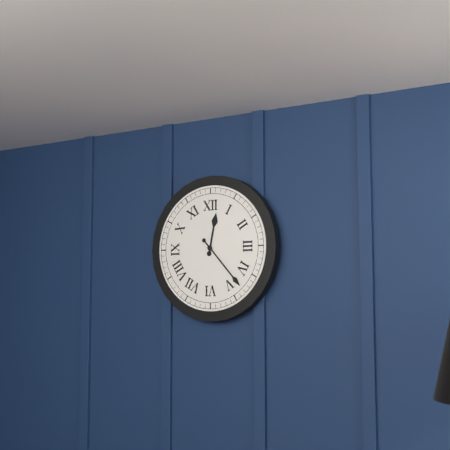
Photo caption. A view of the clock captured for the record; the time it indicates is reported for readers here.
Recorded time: 12:23
